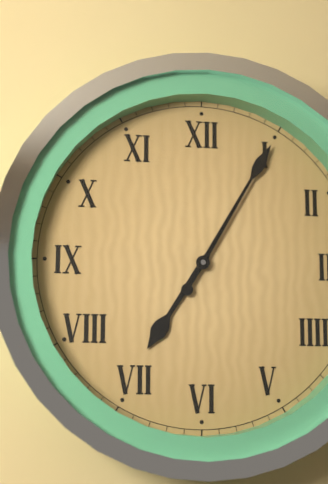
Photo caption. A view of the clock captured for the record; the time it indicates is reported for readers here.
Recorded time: 7:05
